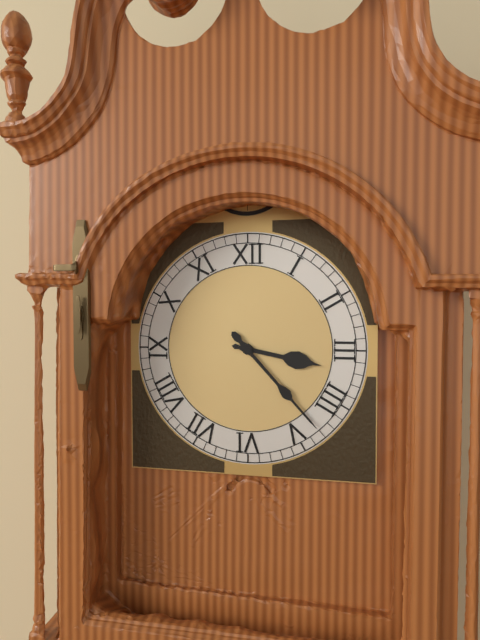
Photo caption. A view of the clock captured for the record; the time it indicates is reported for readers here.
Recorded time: 3:23
